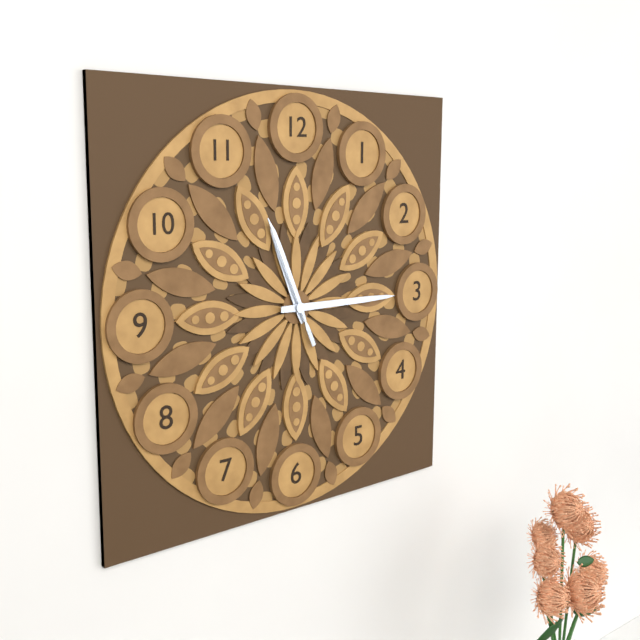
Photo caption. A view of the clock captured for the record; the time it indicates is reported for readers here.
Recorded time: 11:15:56
